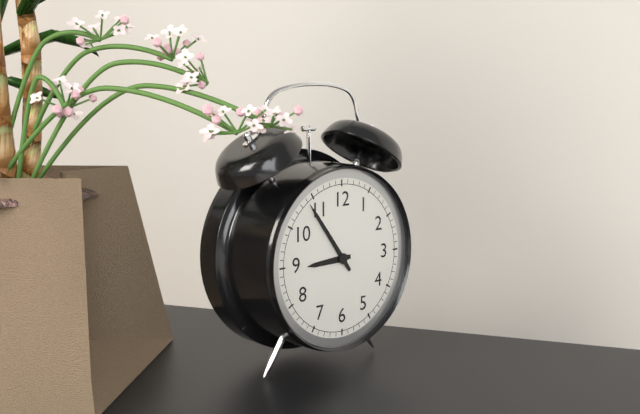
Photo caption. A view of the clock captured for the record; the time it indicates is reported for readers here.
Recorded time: 8:54
